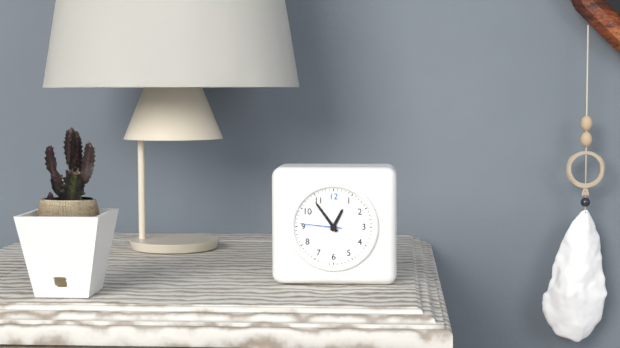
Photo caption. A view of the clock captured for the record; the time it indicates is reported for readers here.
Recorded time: 12:54
